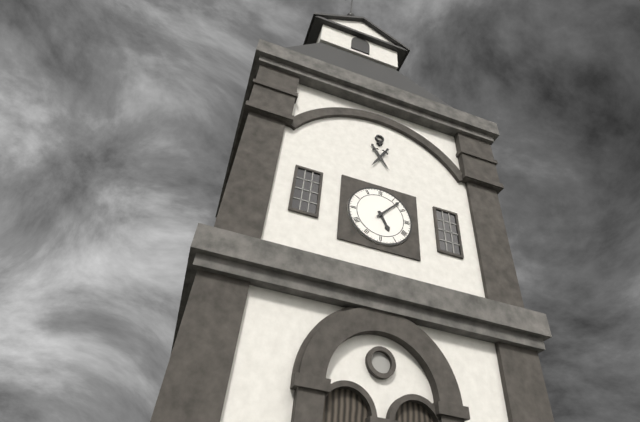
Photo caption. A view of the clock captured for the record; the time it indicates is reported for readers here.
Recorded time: 5:07
